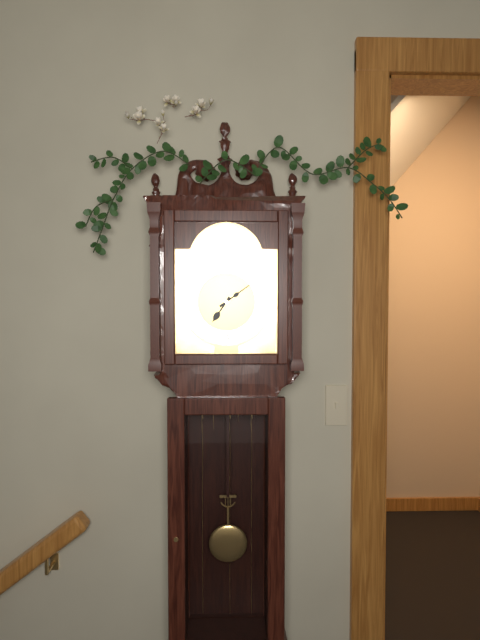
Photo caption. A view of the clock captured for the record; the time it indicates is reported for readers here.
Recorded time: 7:09
